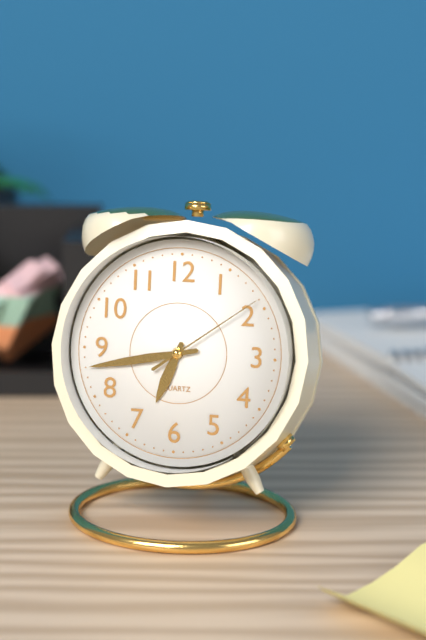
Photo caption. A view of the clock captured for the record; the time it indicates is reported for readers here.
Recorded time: 6:43:09
